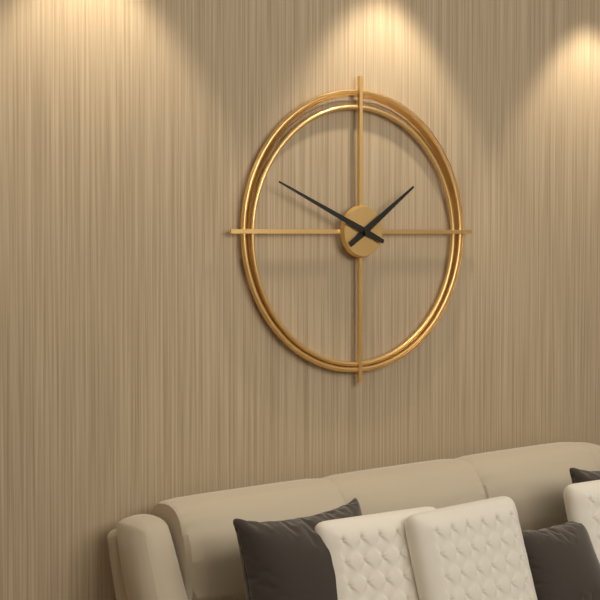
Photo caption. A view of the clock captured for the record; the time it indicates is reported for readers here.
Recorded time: 1:49
